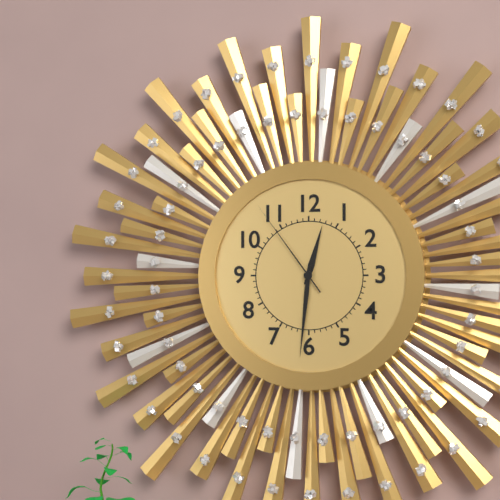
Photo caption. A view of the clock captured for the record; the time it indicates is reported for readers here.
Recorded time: 12:31:54
